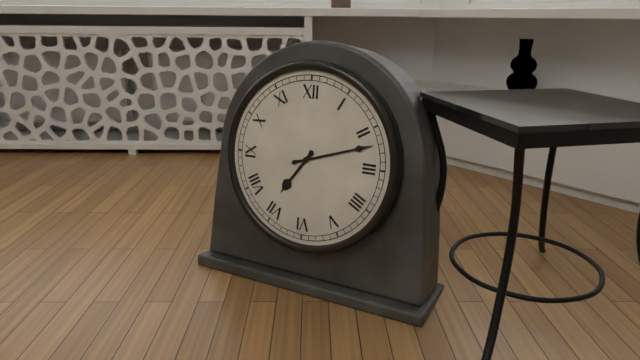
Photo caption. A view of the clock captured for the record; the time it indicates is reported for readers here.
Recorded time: 7:12
